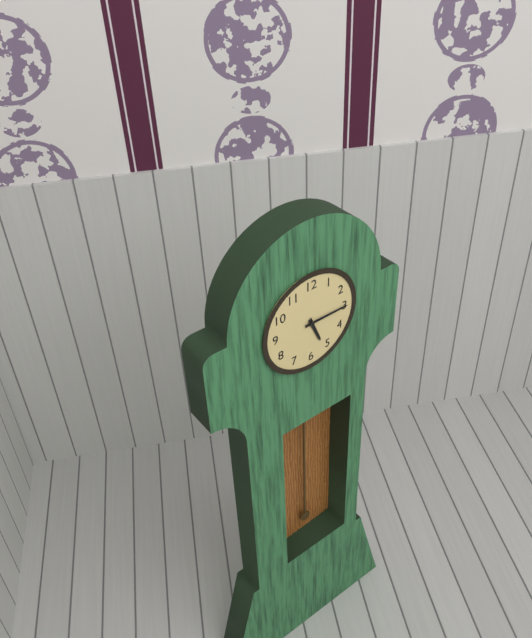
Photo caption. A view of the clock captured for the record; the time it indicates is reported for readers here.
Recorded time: 5:15
